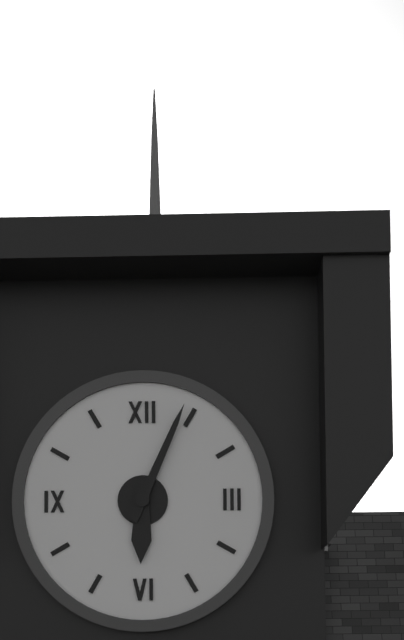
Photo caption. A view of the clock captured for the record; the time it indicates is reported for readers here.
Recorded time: 6:04
